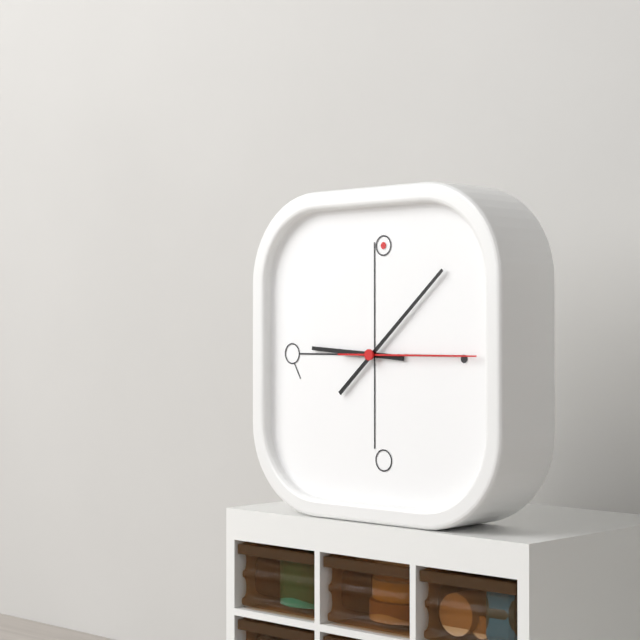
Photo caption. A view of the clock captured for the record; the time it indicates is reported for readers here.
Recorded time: 9:08:15
